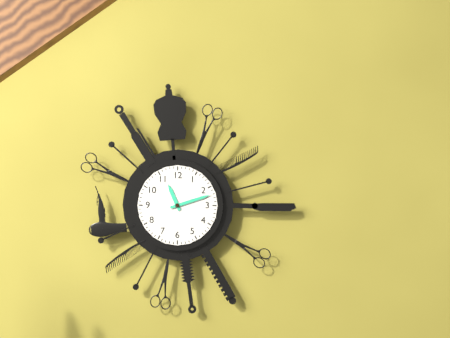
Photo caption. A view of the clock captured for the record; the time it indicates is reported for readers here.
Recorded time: 11:12
